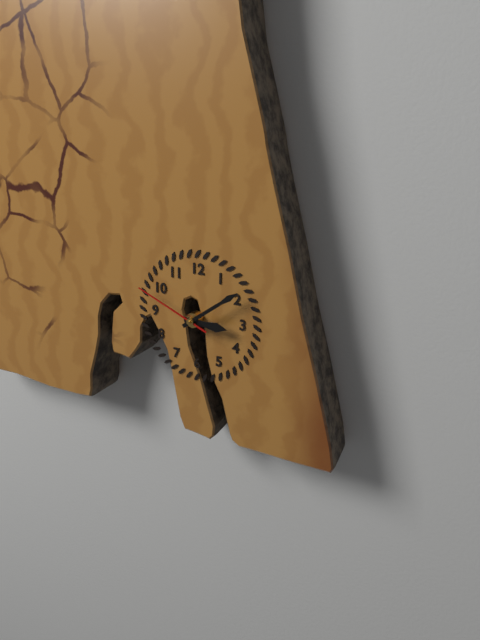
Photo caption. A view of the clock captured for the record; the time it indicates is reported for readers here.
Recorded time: 3:09:49
